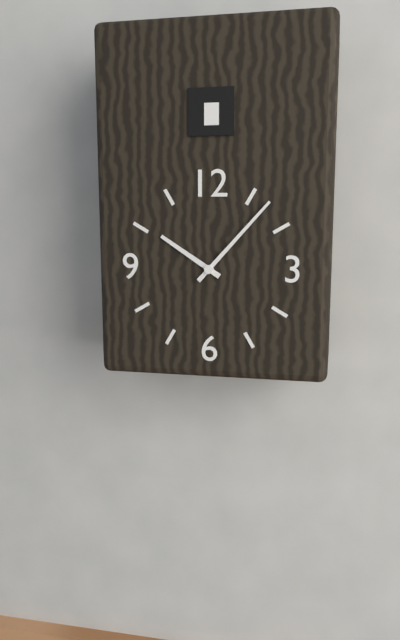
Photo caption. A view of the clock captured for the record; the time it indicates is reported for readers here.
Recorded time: 10:07
